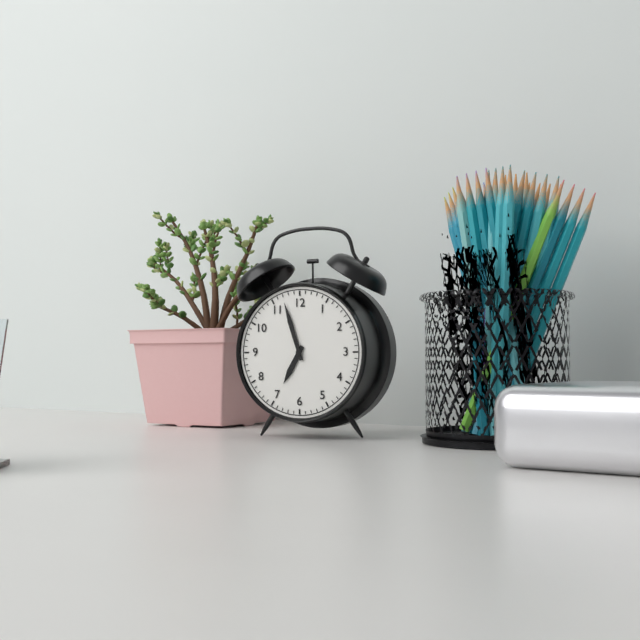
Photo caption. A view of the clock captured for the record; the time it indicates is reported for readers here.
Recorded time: 6:57
